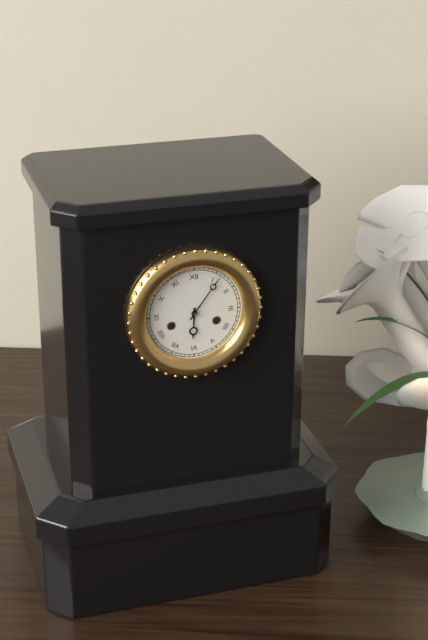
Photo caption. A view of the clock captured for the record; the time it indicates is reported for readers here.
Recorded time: 6:06
